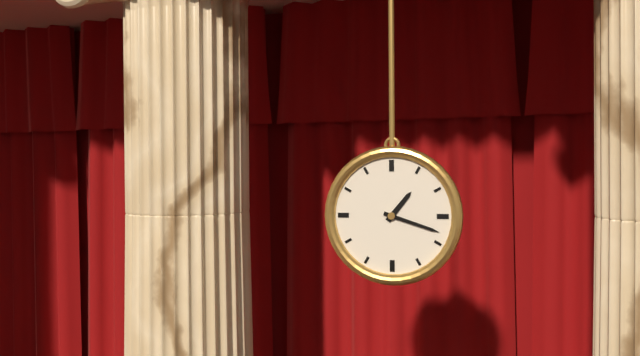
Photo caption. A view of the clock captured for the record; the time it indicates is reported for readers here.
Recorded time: 1:18
